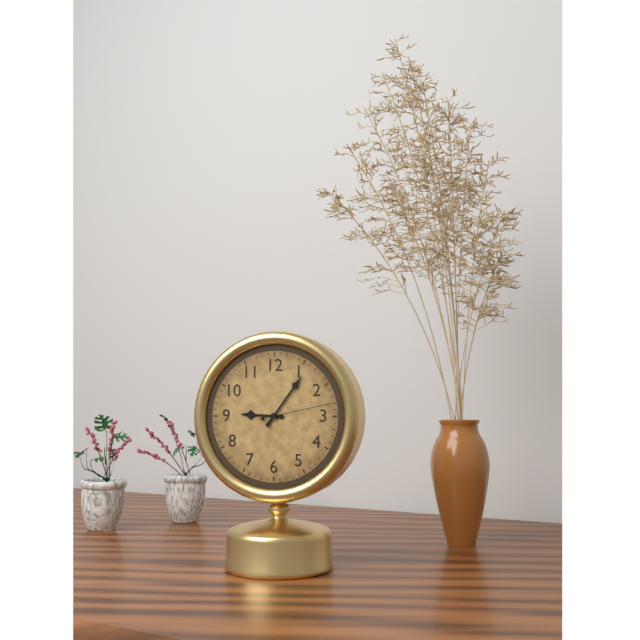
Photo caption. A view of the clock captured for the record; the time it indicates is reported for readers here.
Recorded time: 9:06:13
